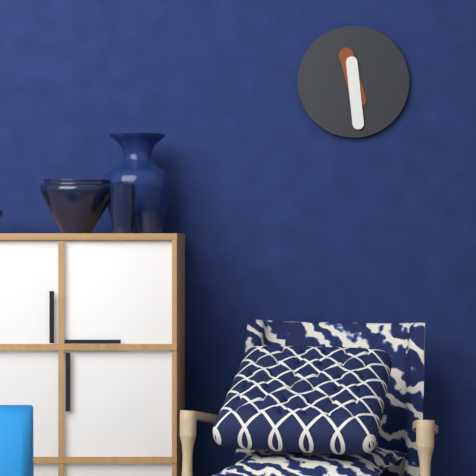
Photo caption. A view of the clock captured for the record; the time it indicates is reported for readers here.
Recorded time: 11:29
